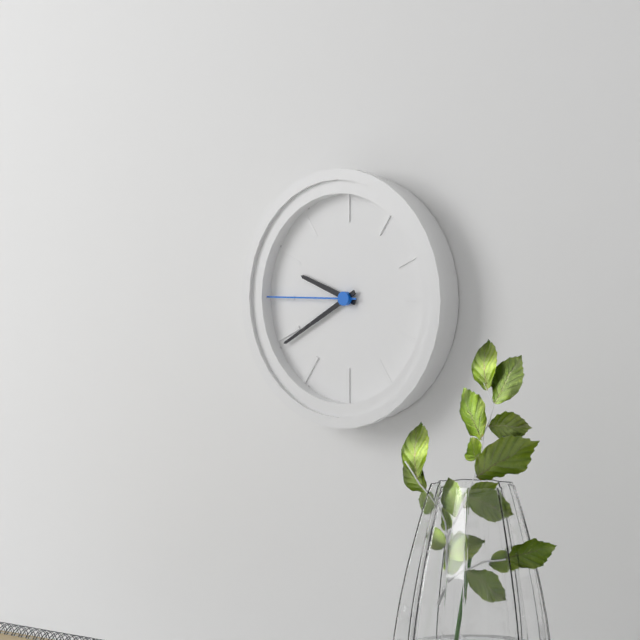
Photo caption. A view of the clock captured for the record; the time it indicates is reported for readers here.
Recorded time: 9:40:45
